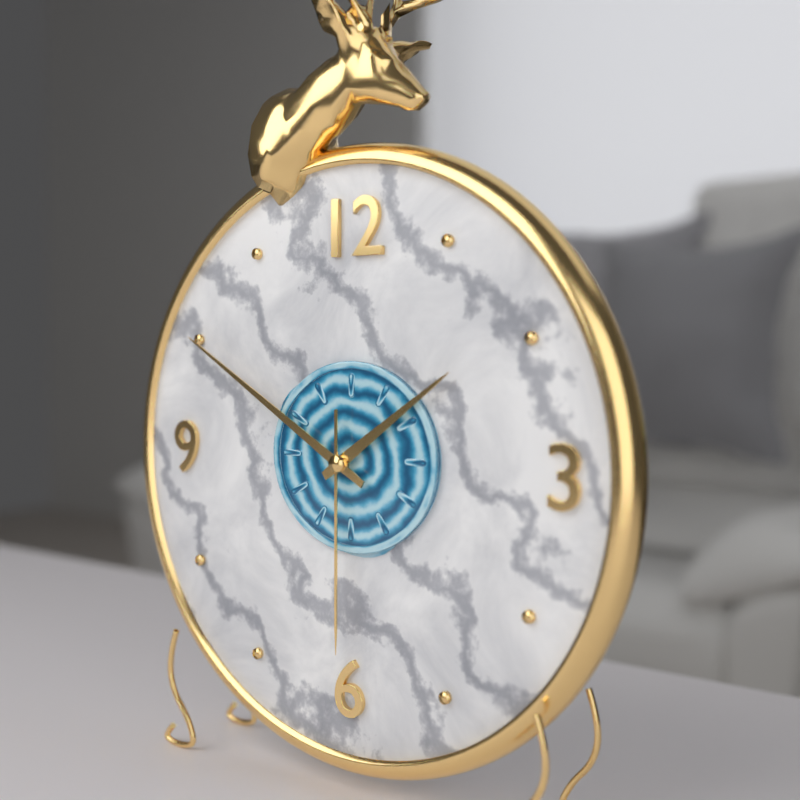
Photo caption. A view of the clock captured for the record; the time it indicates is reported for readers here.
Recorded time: 1:50:30
